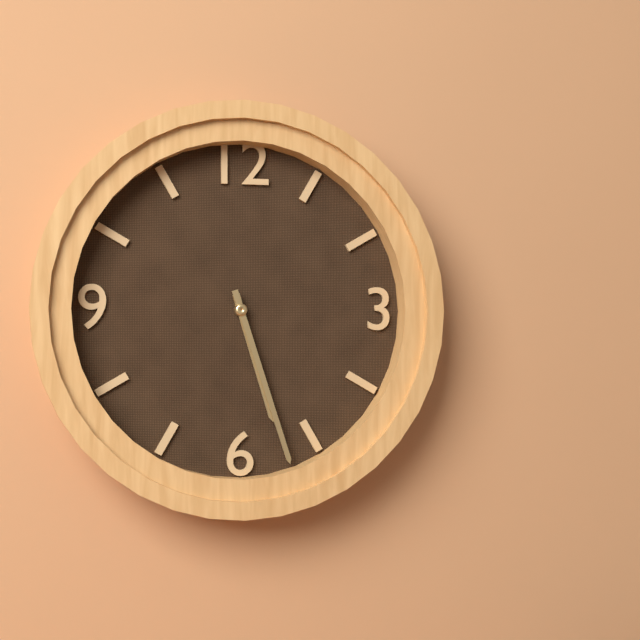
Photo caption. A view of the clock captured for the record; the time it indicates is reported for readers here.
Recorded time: 5:27
